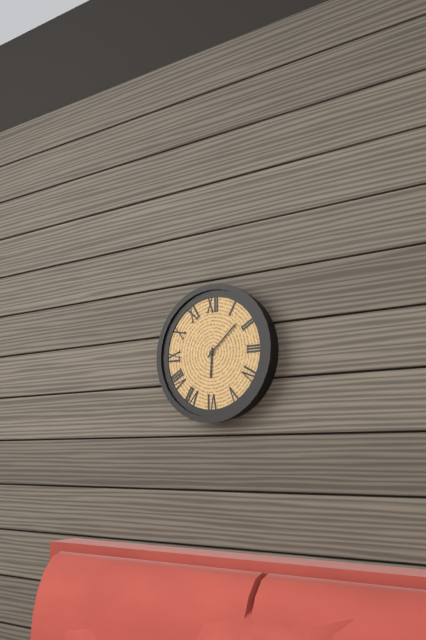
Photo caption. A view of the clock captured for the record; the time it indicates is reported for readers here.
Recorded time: 6:08
